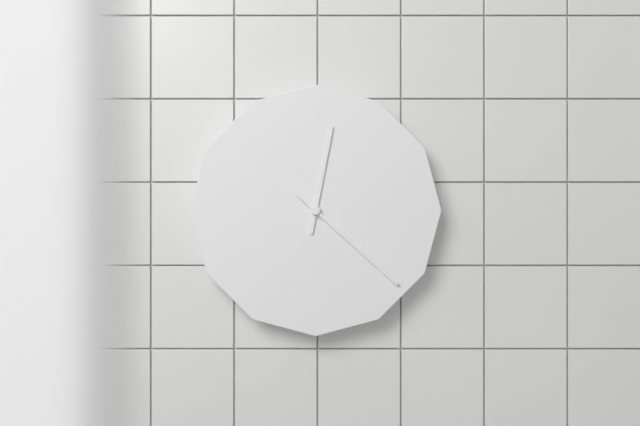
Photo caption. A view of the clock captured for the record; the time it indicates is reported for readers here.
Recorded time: 12:22
